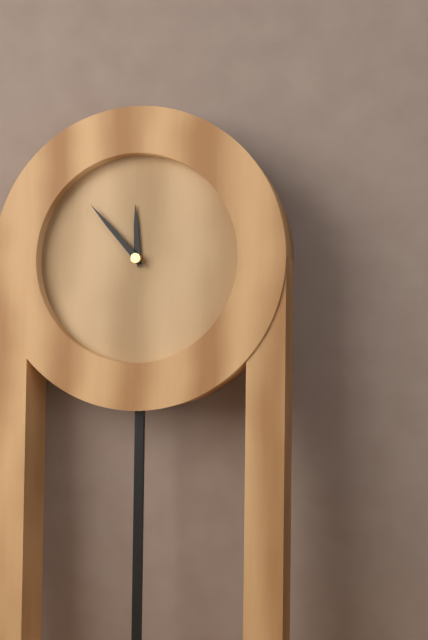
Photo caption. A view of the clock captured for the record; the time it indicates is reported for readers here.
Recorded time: 11:53
